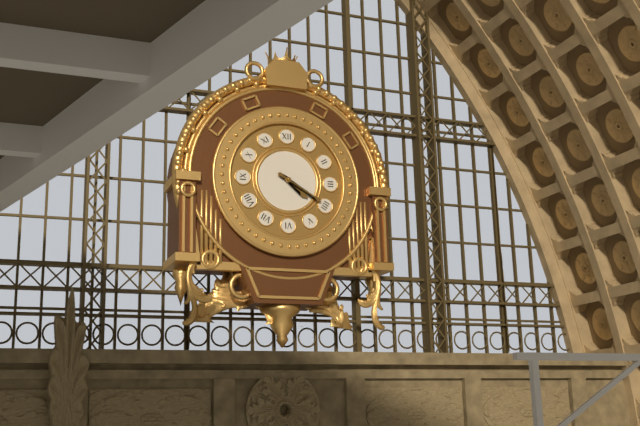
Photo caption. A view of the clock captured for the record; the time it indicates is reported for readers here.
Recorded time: 4:20
